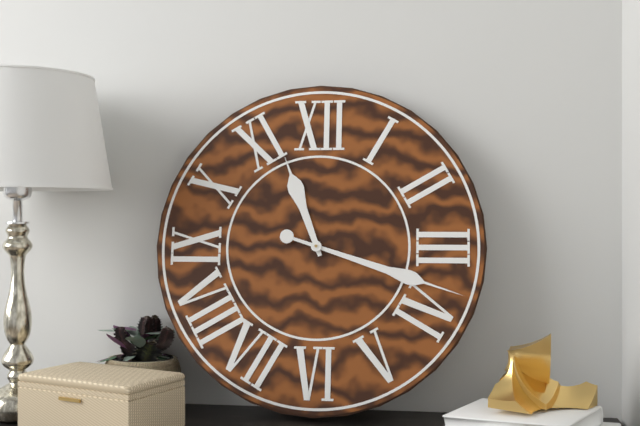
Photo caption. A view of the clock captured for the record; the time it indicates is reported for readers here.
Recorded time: 11:18
